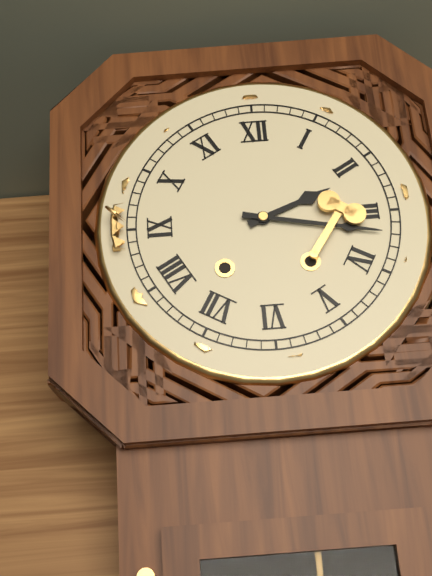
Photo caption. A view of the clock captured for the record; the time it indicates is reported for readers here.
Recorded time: 2:17
